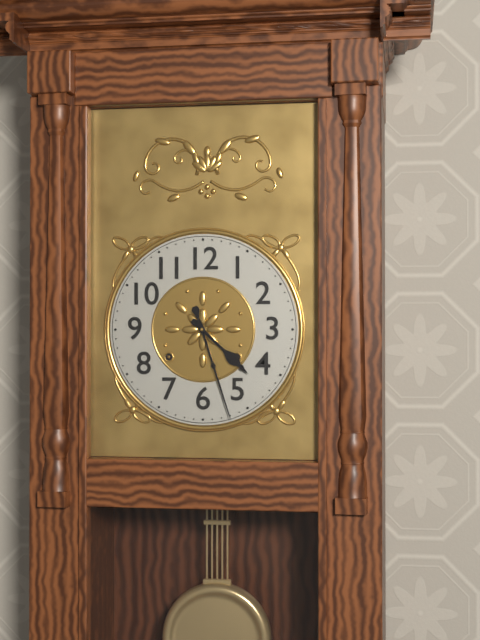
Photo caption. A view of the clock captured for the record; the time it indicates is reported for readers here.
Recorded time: 4:27
